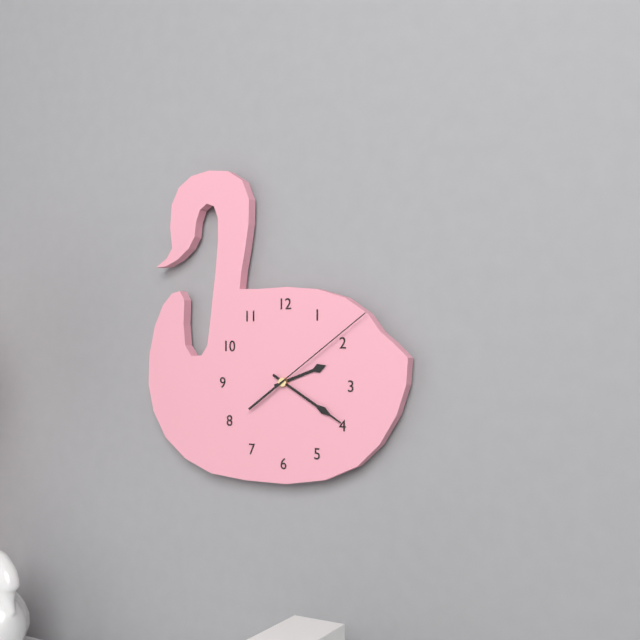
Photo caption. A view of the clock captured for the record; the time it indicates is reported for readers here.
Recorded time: 2:20:09
